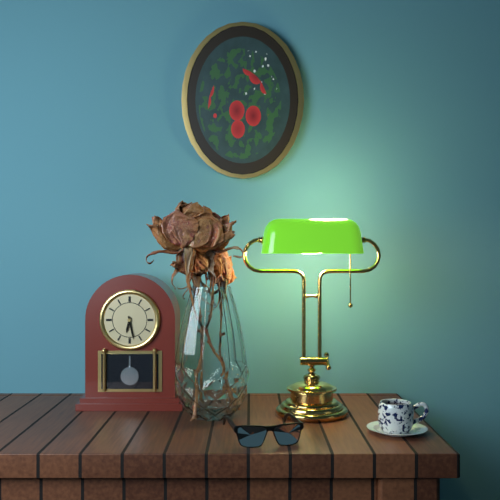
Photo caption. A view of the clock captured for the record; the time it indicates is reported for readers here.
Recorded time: 6:28
